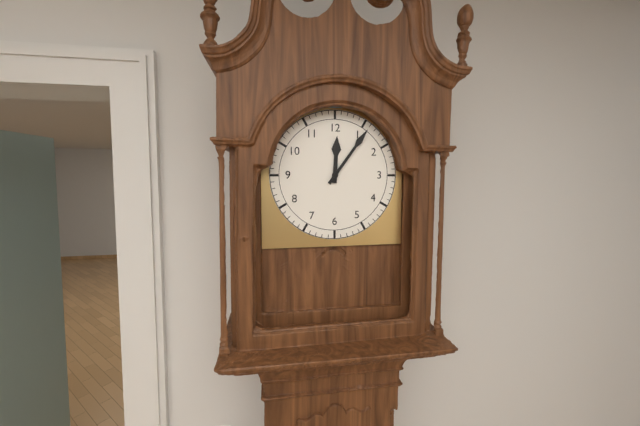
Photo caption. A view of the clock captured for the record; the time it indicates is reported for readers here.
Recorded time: 12:06
